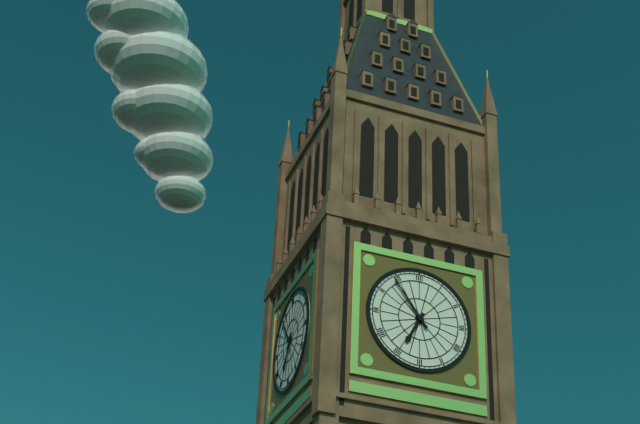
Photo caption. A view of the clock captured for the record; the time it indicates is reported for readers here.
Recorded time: 6:54
